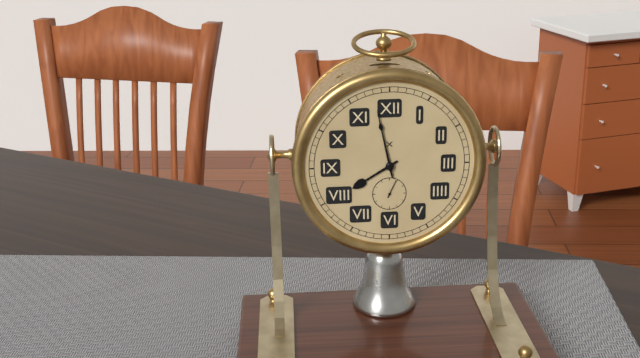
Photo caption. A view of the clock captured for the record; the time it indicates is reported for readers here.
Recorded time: 7:58
